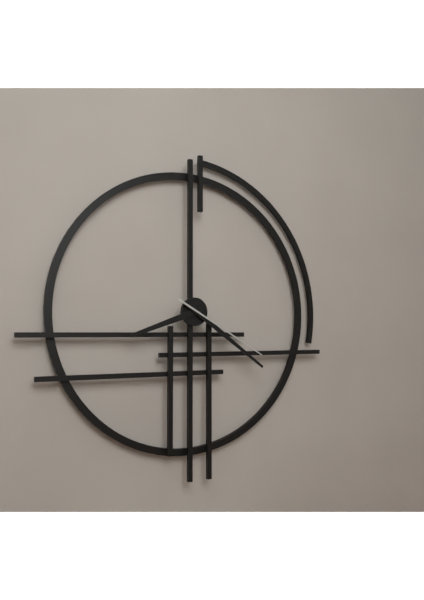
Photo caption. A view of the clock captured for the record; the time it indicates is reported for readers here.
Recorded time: 8:21:20
